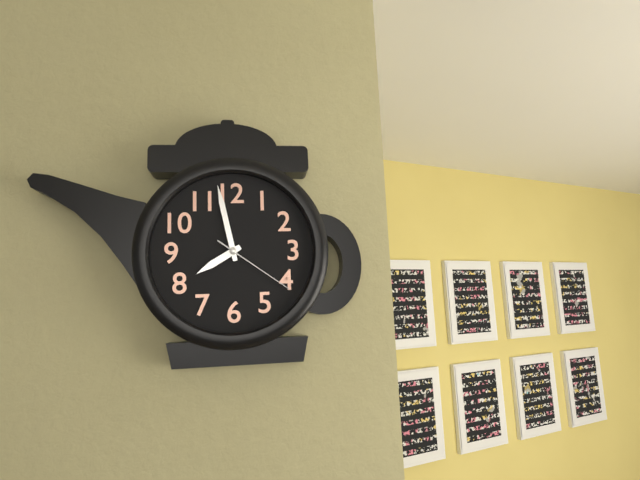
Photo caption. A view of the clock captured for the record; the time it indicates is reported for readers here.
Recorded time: 7:58:21
